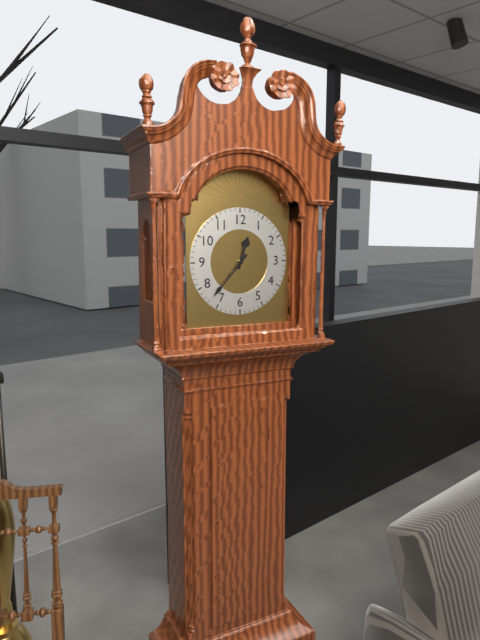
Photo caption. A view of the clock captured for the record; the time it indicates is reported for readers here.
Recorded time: 12:37
